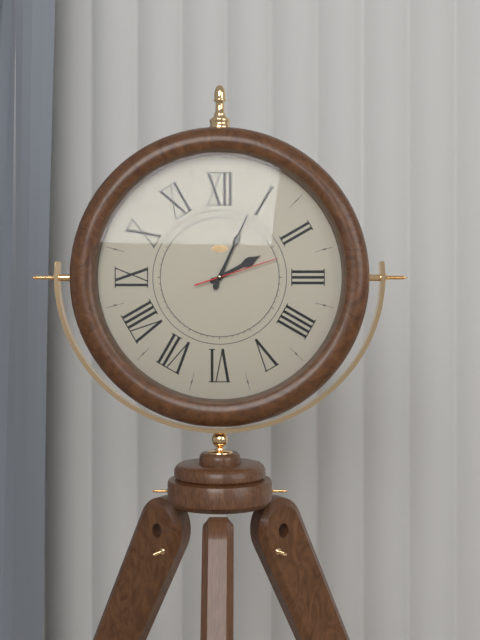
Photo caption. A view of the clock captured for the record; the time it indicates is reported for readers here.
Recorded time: 2:04:12
